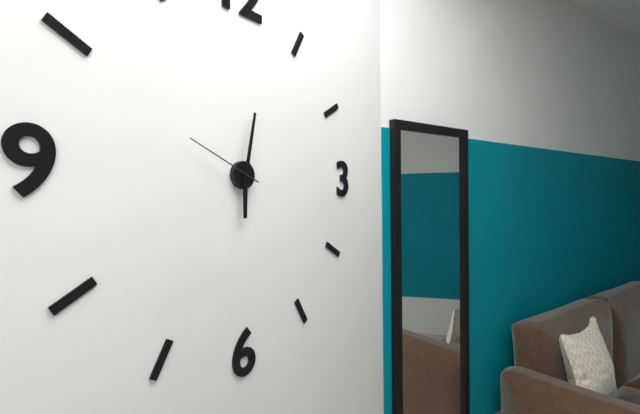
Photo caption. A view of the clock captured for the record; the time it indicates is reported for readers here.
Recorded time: 6:02:49
